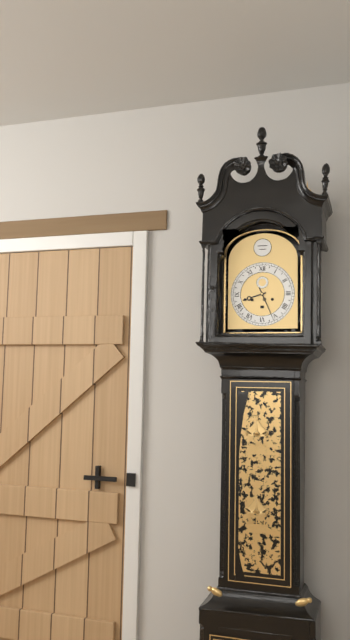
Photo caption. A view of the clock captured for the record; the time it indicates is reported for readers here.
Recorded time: 8:26
